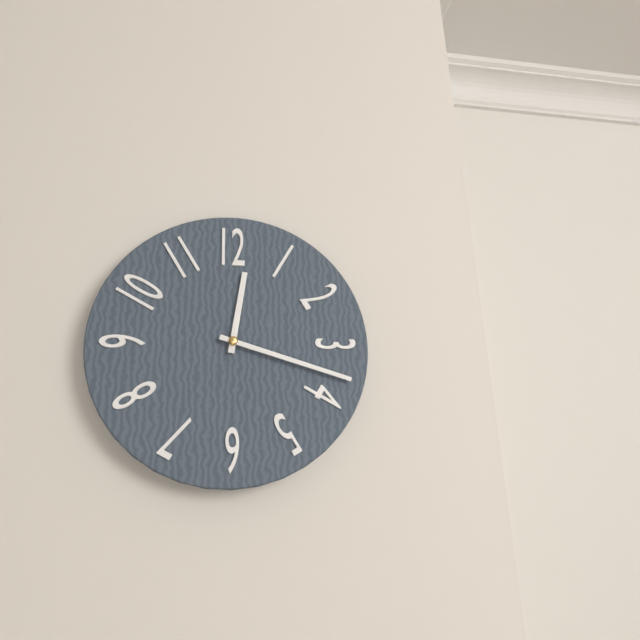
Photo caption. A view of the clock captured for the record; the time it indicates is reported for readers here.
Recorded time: 12:18
